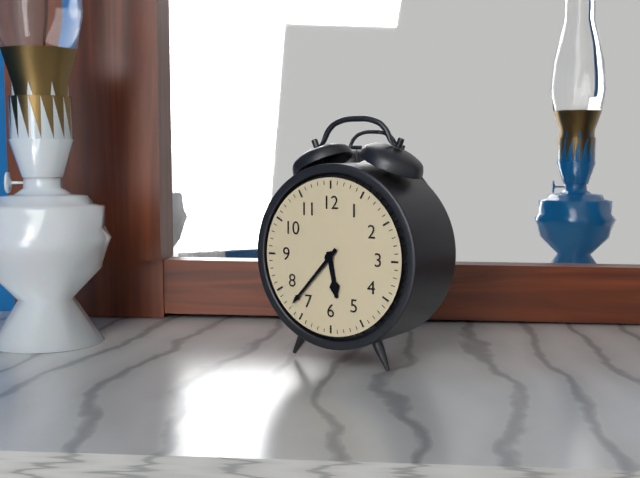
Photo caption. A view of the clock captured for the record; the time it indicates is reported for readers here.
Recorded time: 5:37
